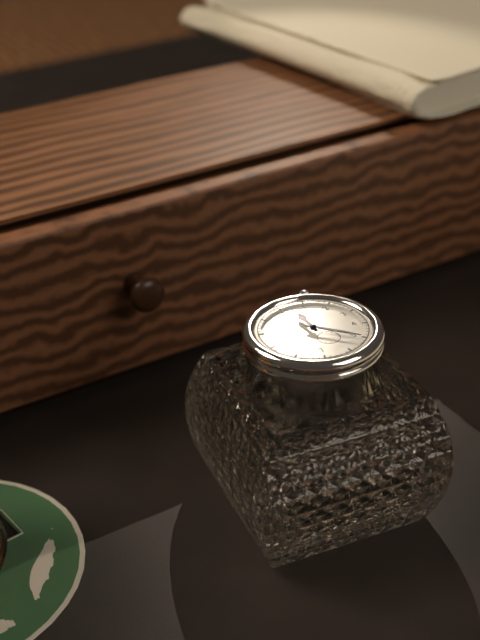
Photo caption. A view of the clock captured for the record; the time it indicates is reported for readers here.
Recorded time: 12:25
